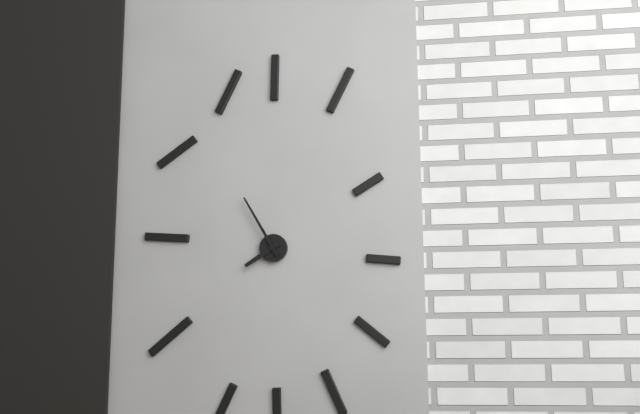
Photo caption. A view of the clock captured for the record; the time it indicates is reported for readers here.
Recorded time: 7:55
